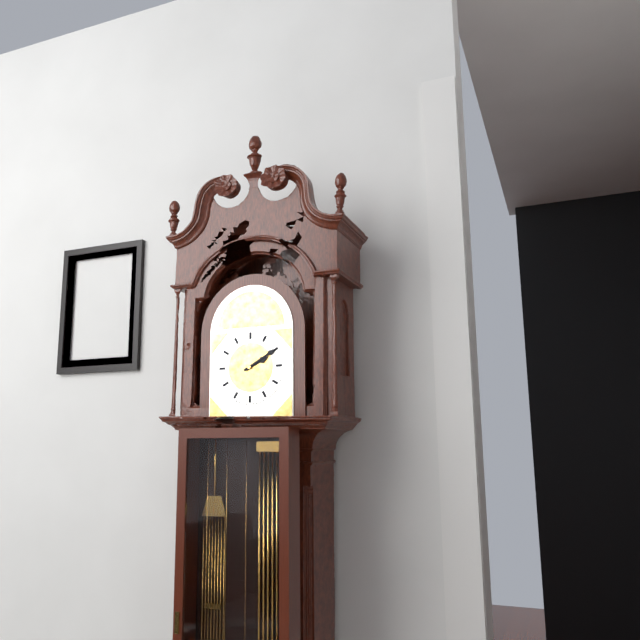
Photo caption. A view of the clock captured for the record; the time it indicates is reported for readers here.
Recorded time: 2:10
